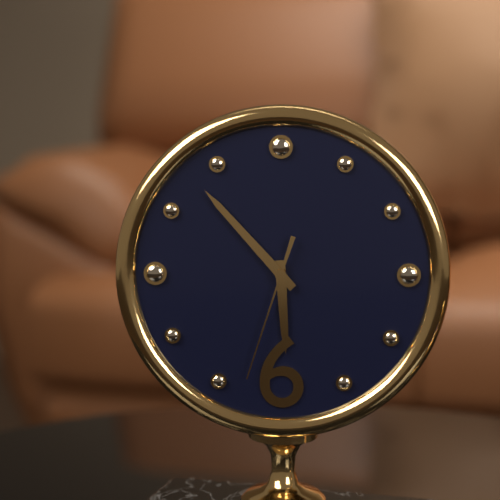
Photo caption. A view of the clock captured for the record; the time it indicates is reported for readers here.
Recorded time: 5:53:33
